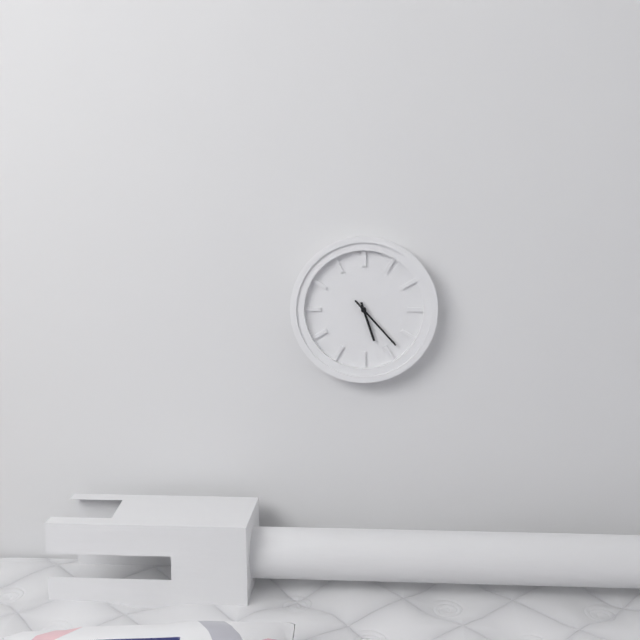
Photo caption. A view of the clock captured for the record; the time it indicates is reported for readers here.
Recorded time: 5:23
